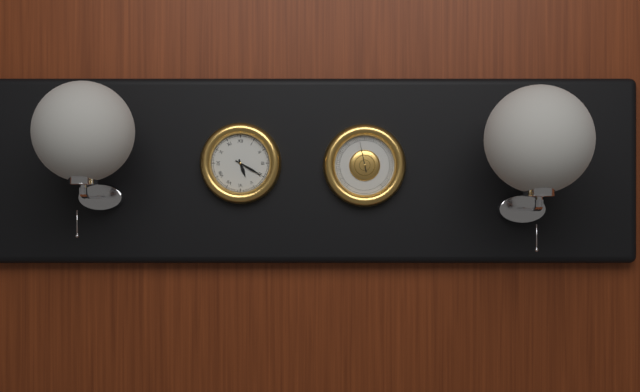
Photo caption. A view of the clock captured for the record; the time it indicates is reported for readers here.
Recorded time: 5:20
